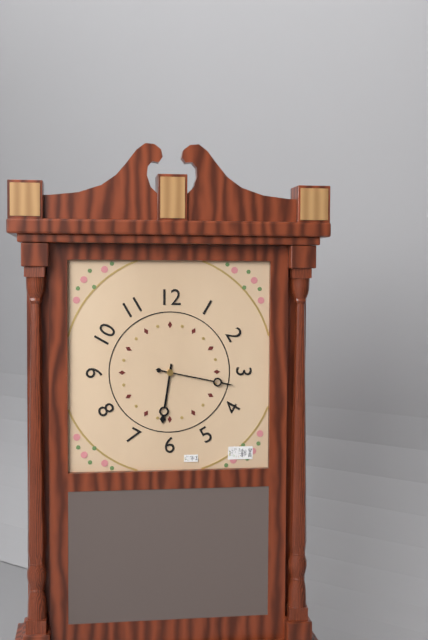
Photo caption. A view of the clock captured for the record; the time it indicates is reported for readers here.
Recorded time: 6:17
